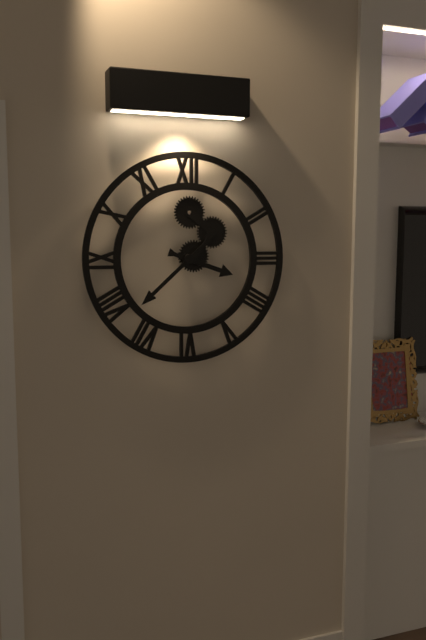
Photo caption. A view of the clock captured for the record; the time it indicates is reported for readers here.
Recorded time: 3:38
